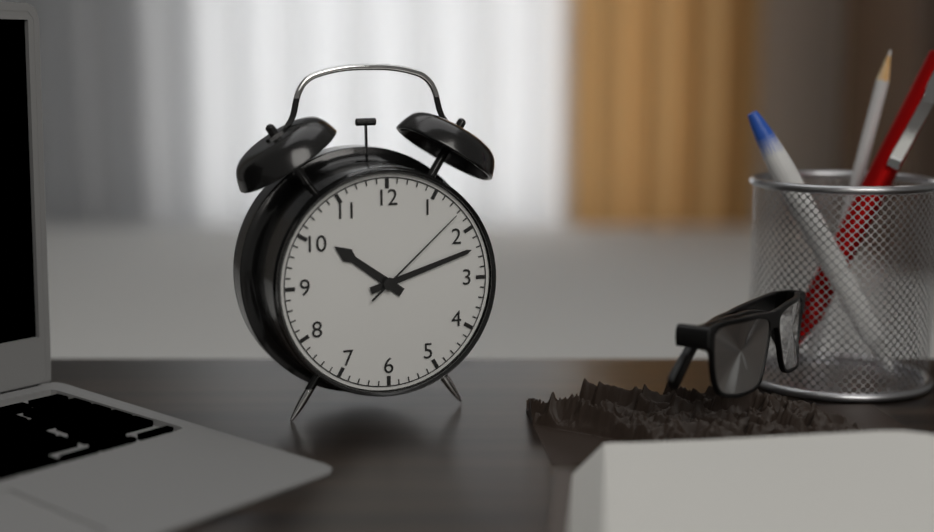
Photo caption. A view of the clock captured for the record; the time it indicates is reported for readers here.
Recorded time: 10:12:08
